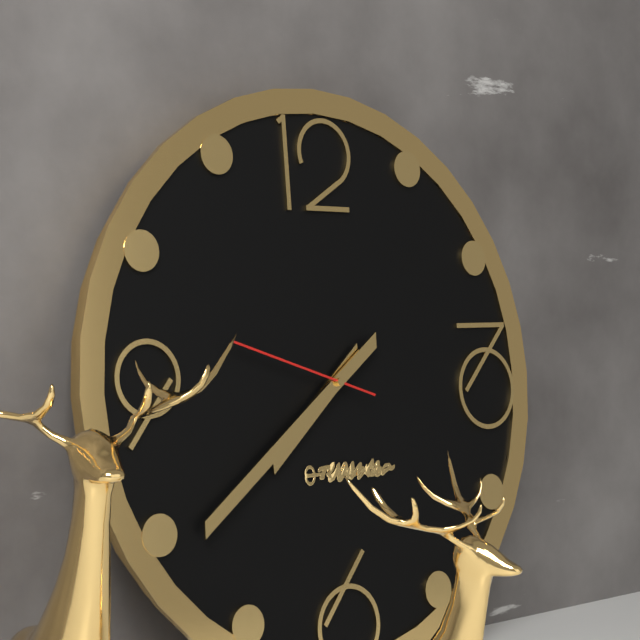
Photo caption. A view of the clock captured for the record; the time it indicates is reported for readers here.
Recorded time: 7:39:48
